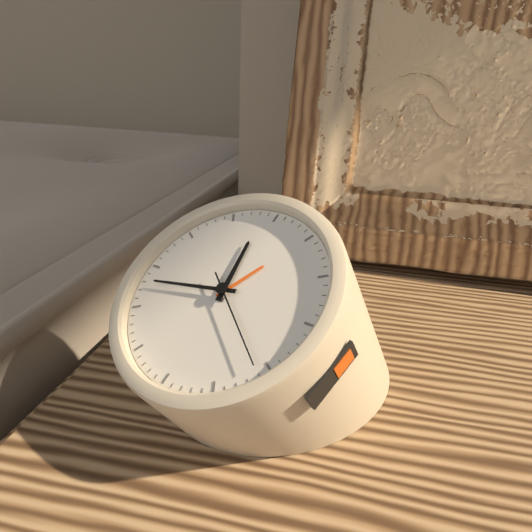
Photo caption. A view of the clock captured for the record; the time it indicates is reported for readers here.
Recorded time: 11:43:21
